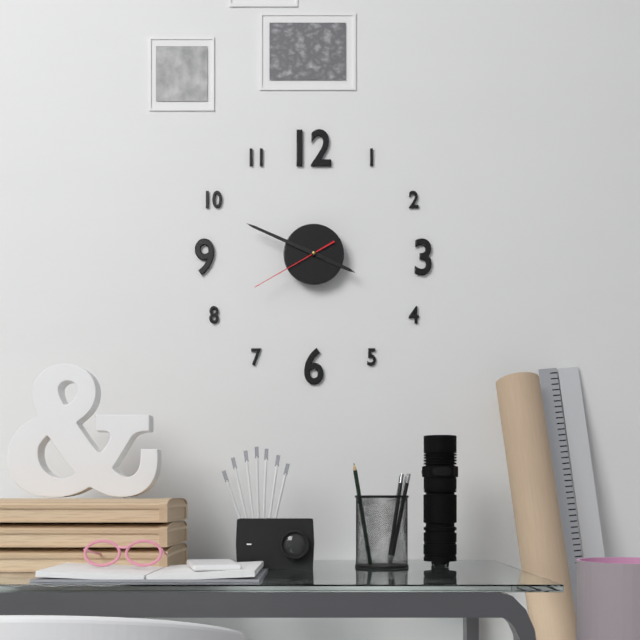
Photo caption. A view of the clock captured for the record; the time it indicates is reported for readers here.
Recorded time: 3:49:40
